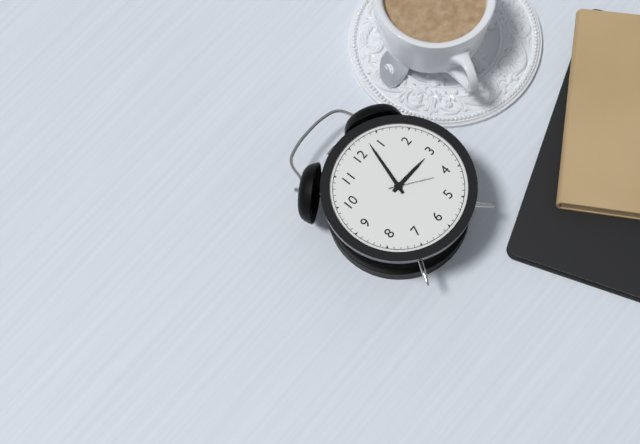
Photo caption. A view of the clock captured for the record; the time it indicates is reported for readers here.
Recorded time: 3:03
